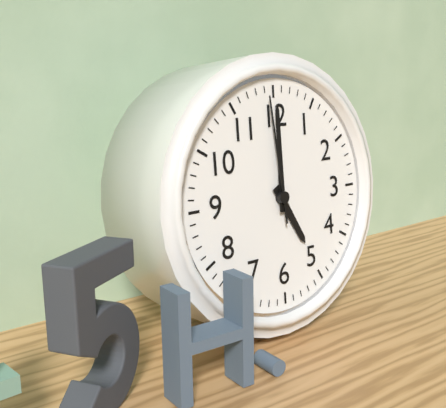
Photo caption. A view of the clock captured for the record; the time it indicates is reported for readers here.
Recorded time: 5:00:59
